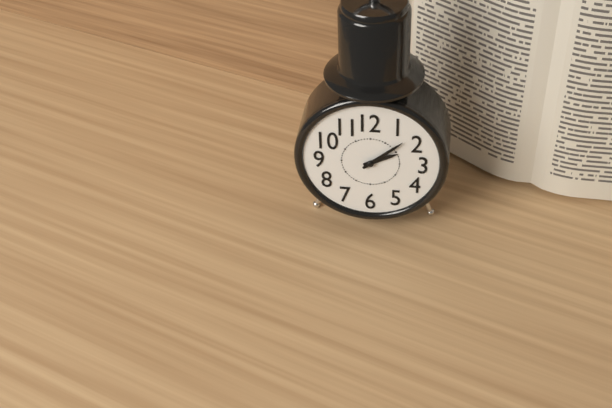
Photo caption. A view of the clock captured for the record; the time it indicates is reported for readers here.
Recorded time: 2:08
